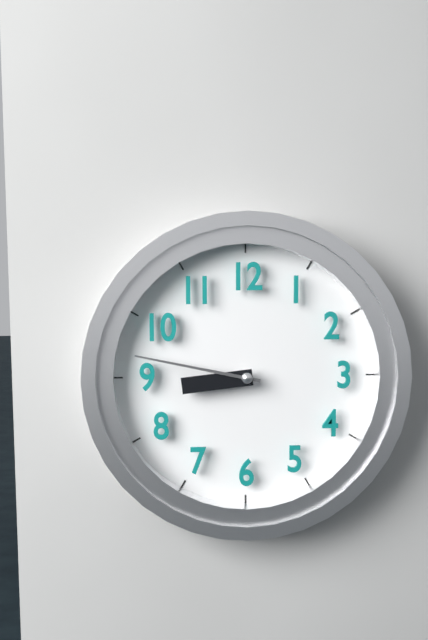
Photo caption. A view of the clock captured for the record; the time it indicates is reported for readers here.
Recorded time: 8:47
